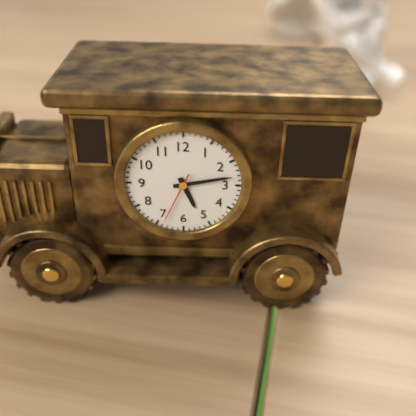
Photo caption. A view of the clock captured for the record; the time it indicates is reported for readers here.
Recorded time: 5:13:34
